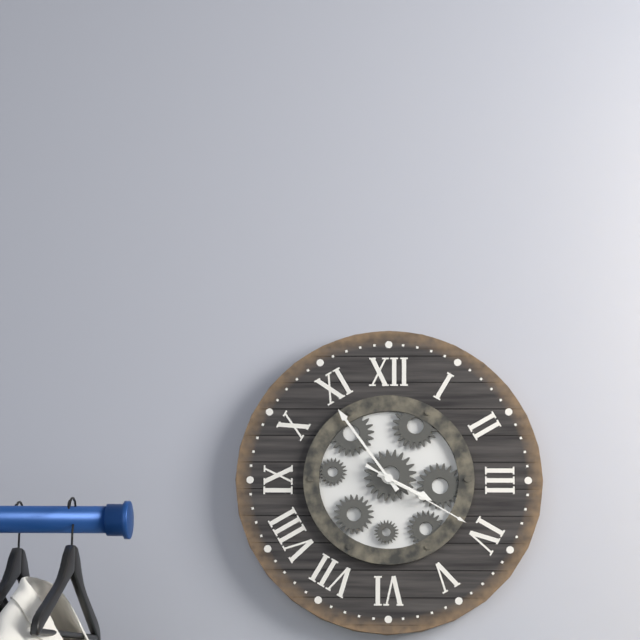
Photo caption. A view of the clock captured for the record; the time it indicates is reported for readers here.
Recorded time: 3:54:20
